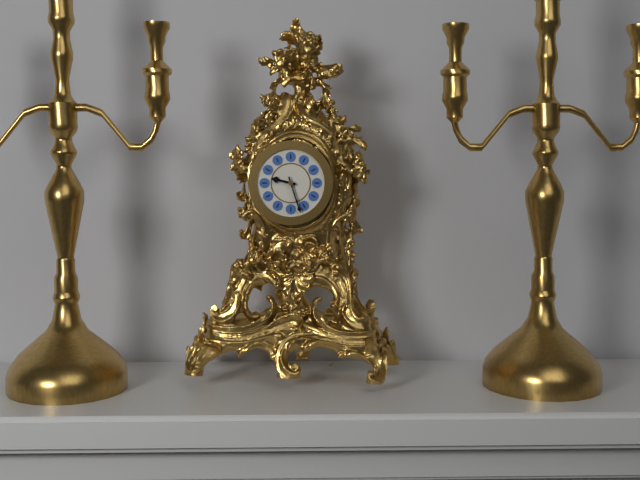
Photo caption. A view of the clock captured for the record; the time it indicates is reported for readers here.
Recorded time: 9:27
